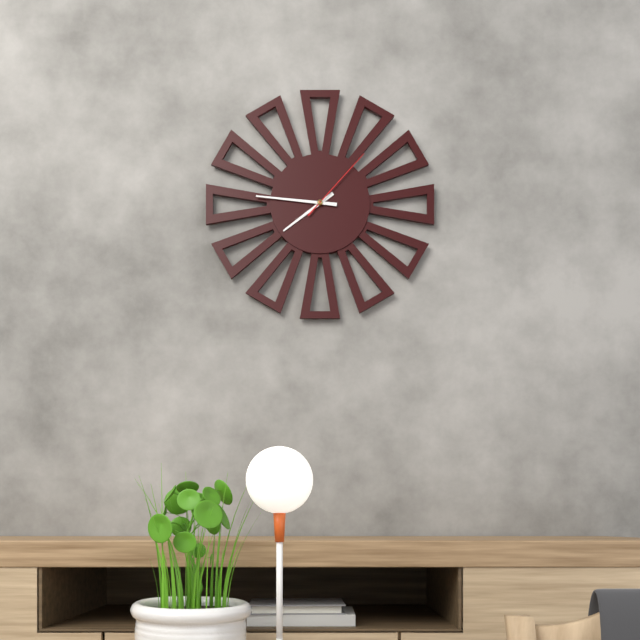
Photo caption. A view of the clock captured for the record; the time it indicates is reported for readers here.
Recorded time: 7:46:07
